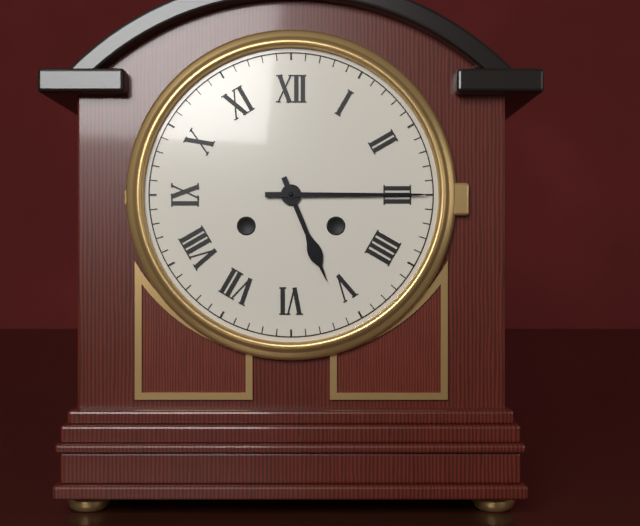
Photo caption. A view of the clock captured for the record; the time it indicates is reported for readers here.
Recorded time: 5:15
